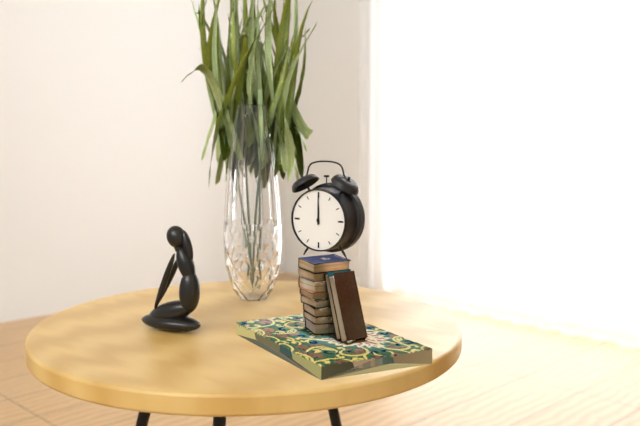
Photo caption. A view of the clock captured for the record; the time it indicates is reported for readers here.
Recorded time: 12:00
